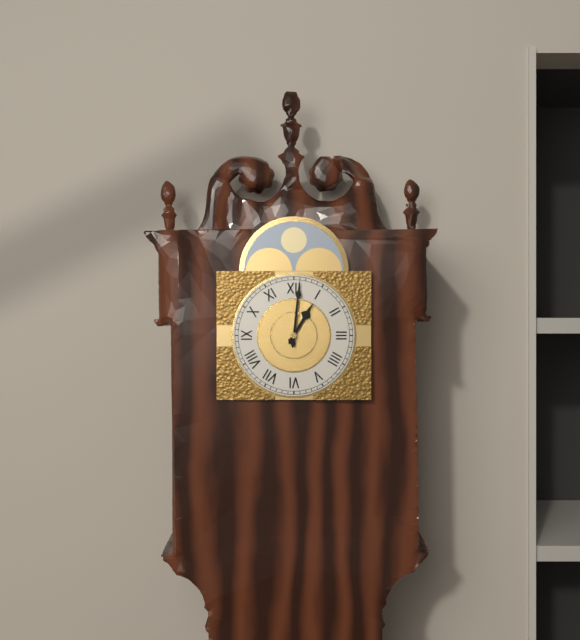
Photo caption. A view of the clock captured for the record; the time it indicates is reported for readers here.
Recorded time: 1:01
